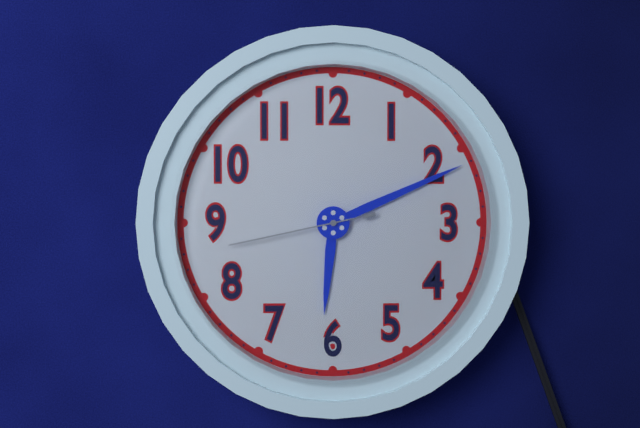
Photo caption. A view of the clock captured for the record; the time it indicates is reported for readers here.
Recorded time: 6:11:43
